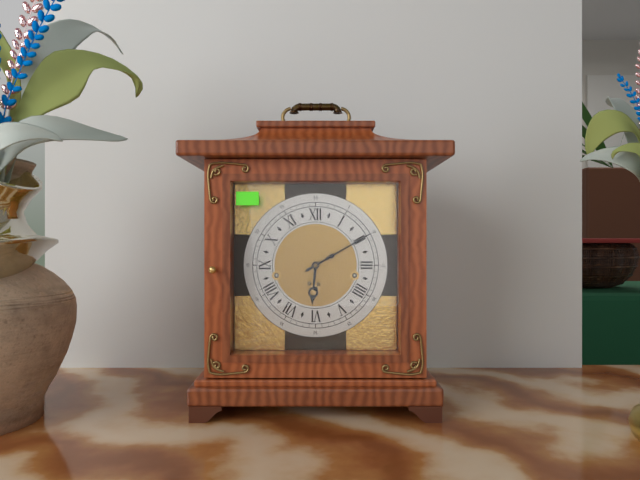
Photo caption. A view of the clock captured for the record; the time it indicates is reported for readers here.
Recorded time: 6:10
